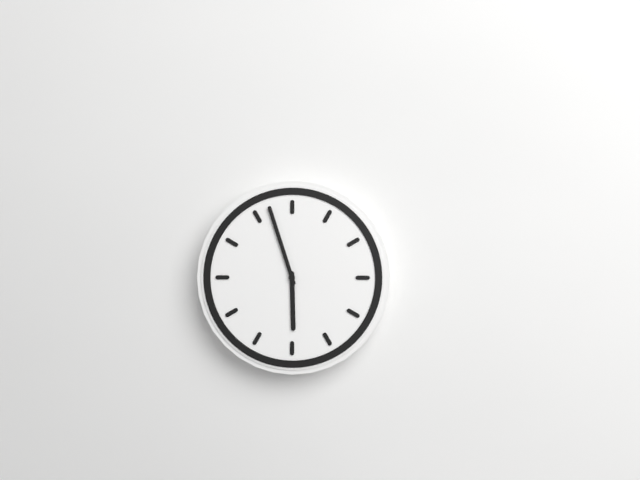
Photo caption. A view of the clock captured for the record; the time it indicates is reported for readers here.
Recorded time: 5:57
